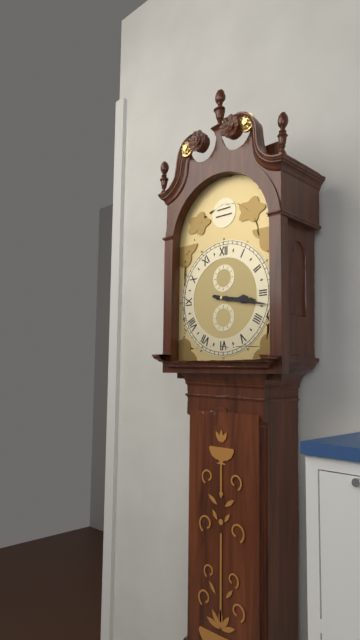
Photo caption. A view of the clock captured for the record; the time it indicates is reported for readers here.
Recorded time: 3:17
